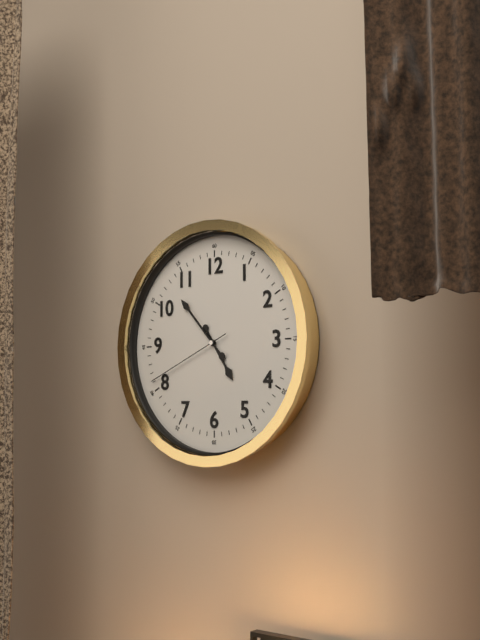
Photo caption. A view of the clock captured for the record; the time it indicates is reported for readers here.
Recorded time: 4:53:41
